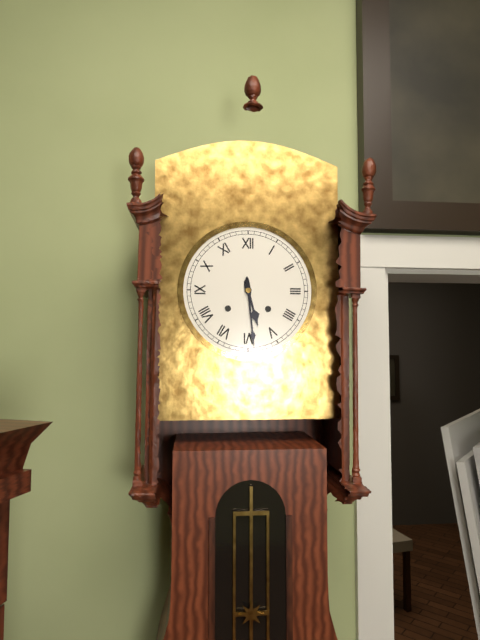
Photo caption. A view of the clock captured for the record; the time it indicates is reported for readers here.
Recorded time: 5:29
